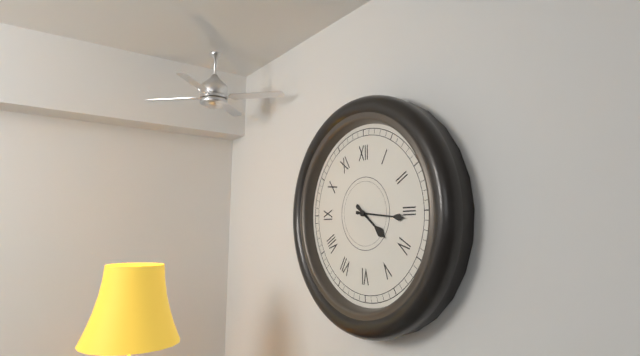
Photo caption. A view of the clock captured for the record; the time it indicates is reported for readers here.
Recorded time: 4:16
